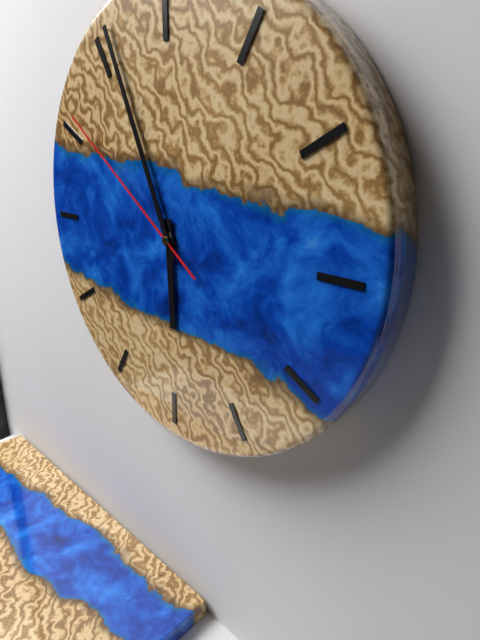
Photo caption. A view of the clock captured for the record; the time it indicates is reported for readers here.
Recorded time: 5:56:51
